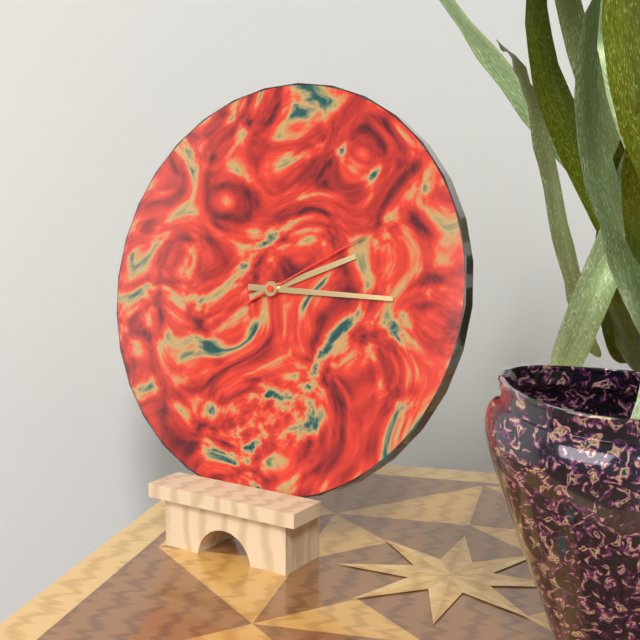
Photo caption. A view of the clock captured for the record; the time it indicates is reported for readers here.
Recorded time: 2:15:10
